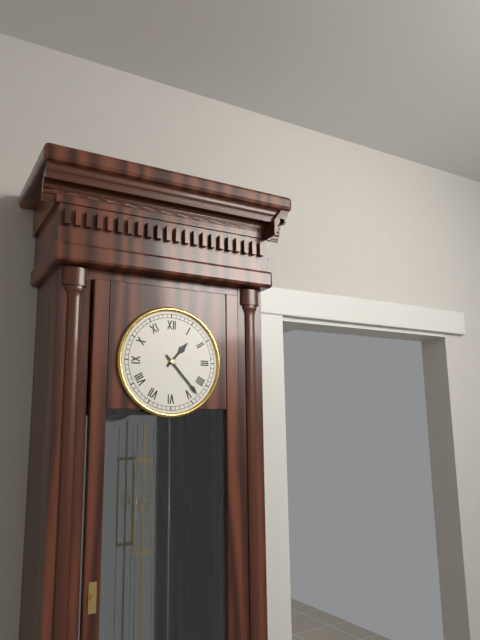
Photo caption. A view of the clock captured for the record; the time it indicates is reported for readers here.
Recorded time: 1:23
